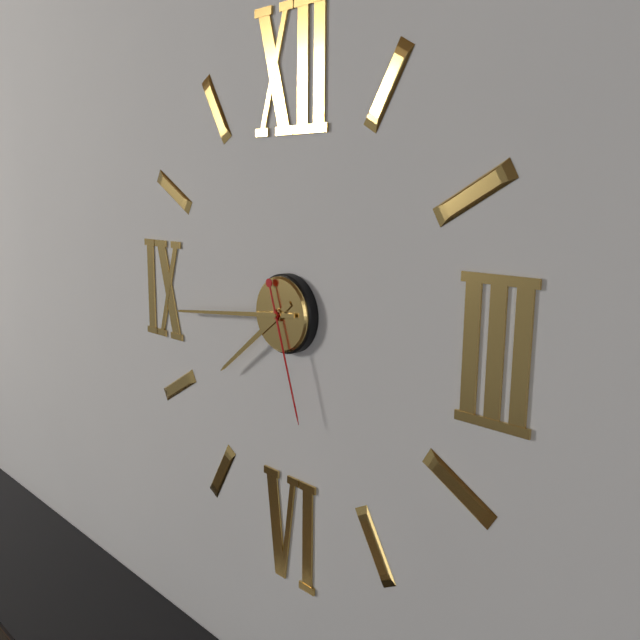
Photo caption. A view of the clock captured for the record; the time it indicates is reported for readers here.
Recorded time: 7:44:27
